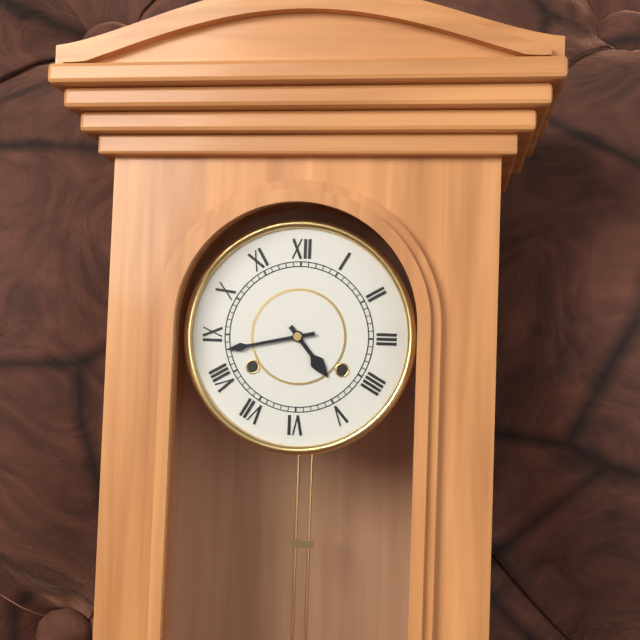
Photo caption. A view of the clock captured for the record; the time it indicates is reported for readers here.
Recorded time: 4:43
